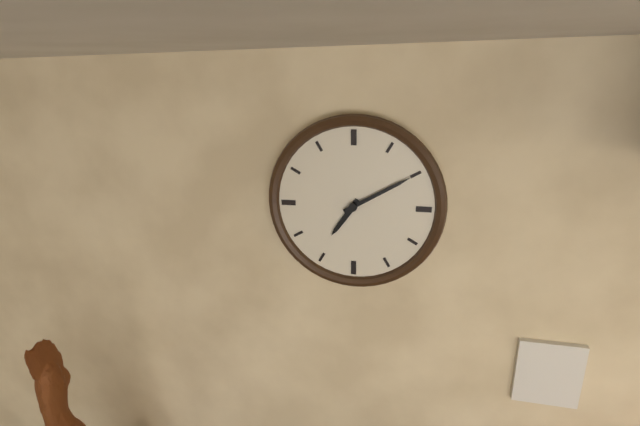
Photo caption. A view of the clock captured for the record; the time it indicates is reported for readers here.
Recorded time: 7:10
